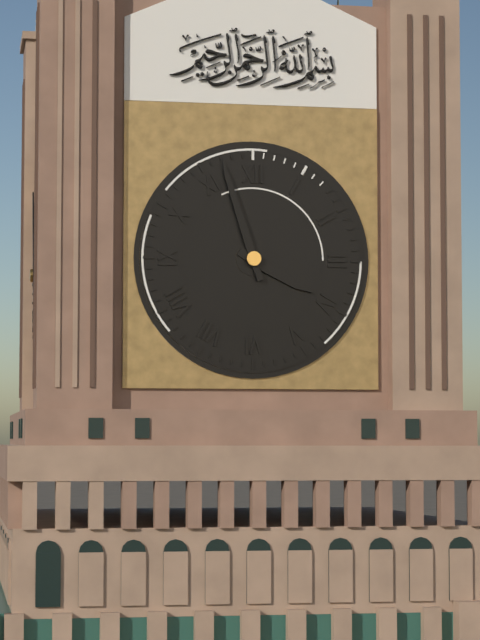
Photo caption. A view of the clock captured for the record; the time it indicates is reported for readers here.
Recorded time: 3:57
